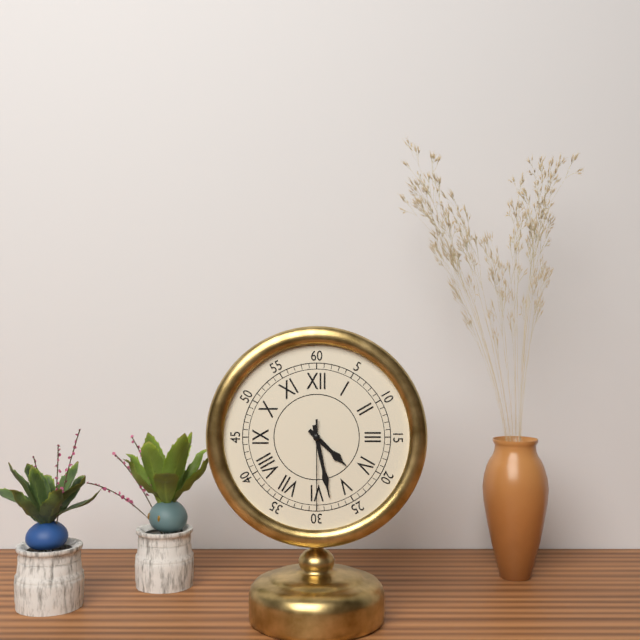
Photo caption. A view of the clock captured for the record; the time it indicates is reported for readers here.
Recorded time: 4:28:30
